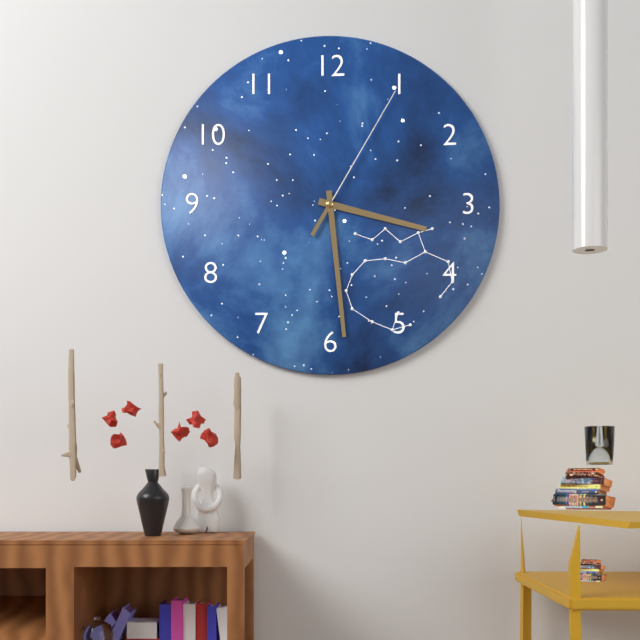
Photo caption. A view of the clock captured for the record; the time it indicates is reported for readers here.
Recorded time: 3:29:05
